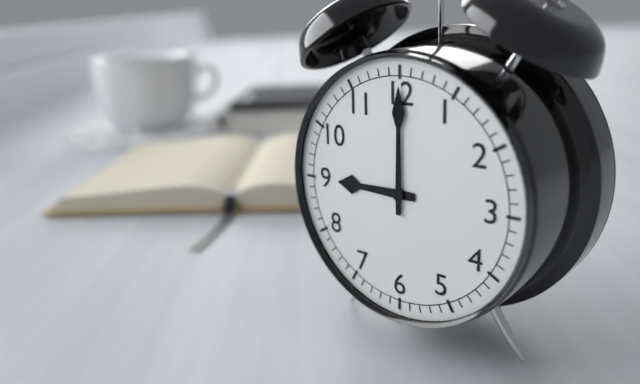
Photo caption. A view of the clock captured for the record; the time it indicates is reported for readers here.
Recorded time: 9:00
